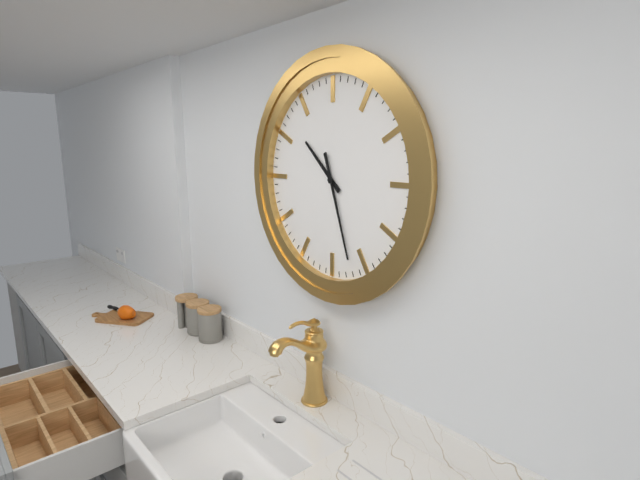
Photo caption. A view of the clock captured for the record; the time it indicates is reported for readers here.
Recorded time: 10:27
